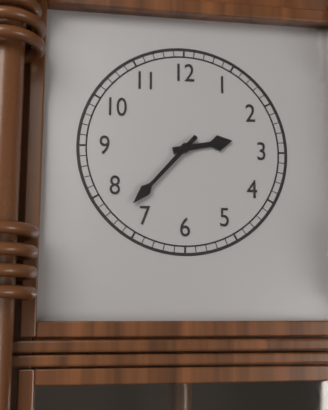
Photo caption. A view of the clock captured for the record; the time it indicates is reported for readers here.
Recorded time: 2:37
